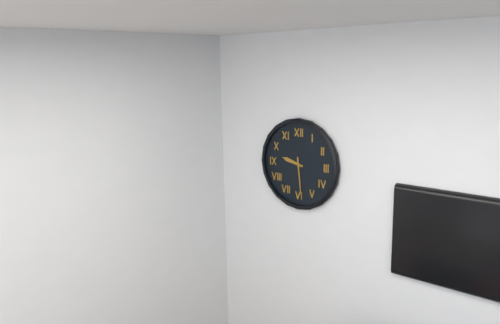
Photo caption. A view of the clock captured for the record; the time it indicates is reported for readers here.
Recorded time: 9:29
